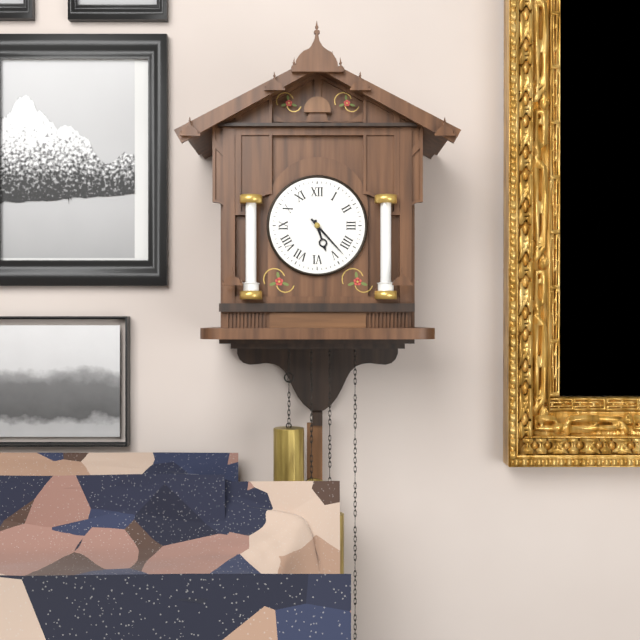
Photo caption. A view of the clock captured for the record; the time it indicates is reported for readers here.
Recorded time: 5:23
